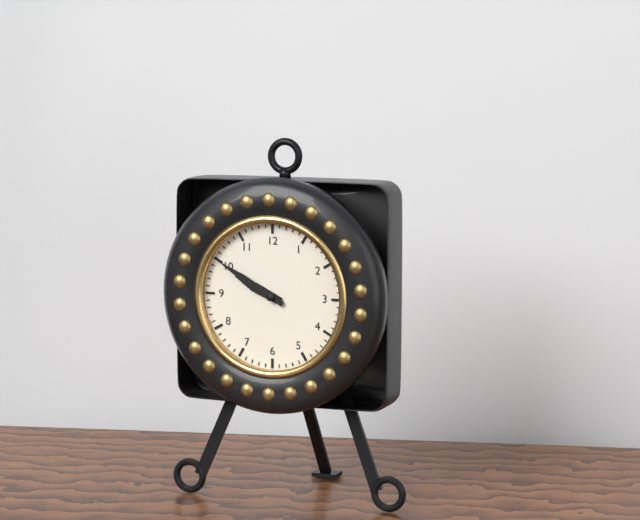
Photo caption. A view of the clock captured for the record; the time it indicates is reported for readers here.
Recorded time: 9:50
